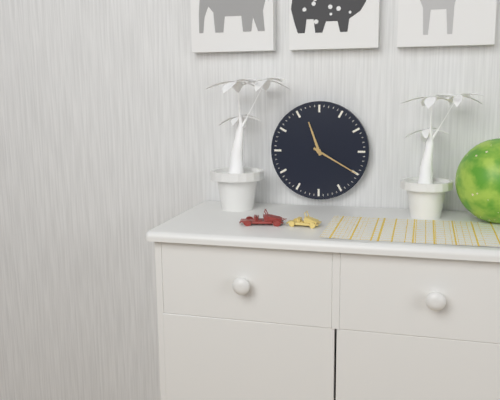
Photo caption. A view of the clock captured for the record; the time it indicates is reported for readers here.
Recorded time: 11:20
